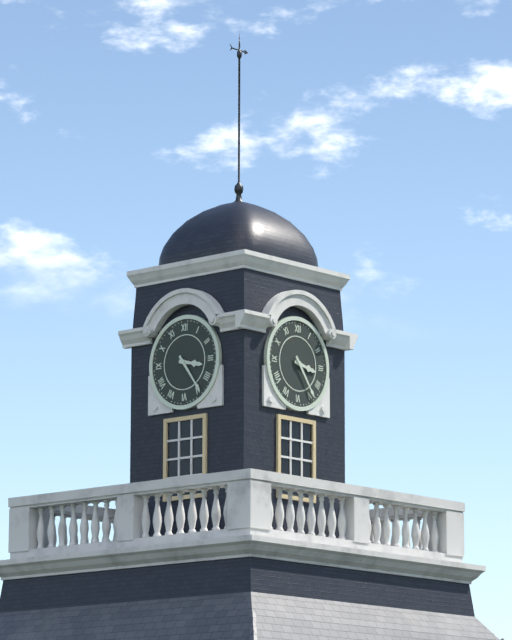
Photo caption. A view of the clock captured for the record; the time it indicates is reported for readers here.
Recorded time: 3:24
